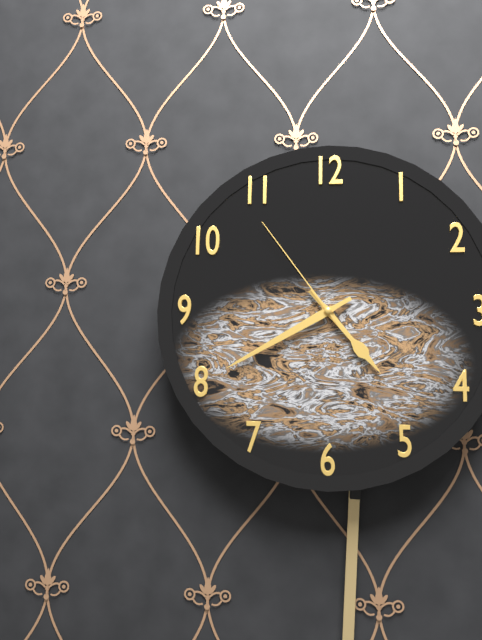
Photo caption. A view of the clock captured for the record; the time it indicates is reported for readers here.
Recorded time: 4:40:54
